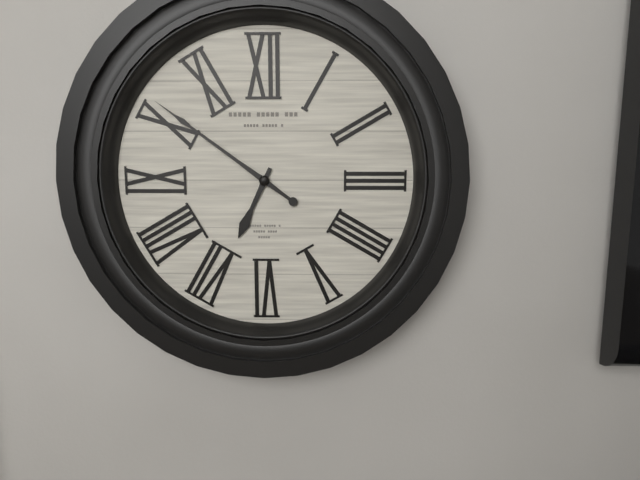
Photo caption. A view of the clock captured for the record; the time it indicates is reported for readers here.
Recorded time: 6:51
